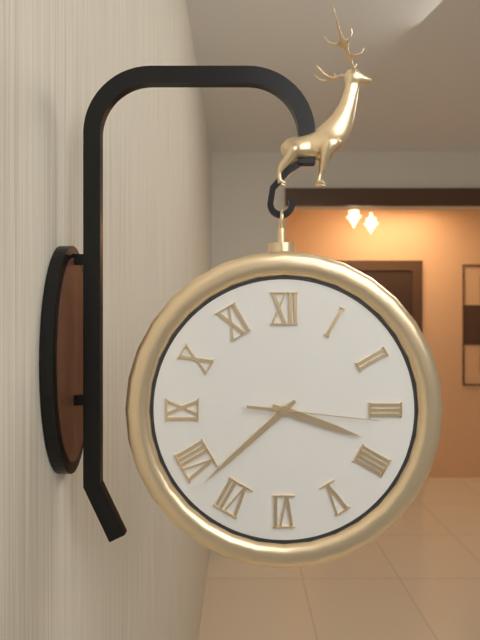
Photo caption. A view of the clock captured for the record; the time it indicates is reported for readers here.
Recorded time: 3:38:16
